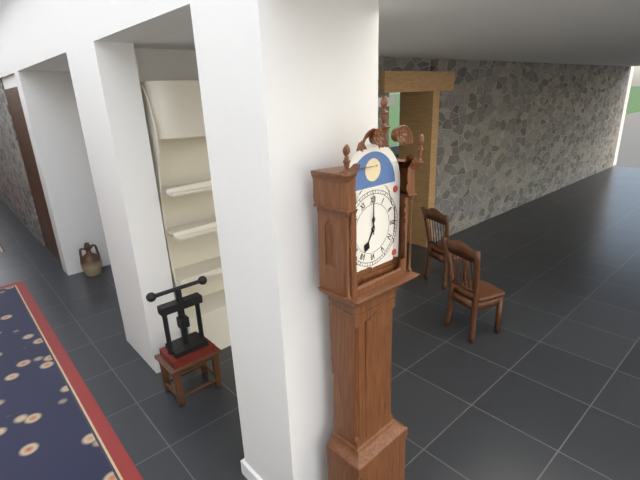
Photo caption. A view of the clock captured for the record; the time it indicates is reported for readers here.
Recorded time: 7:00
